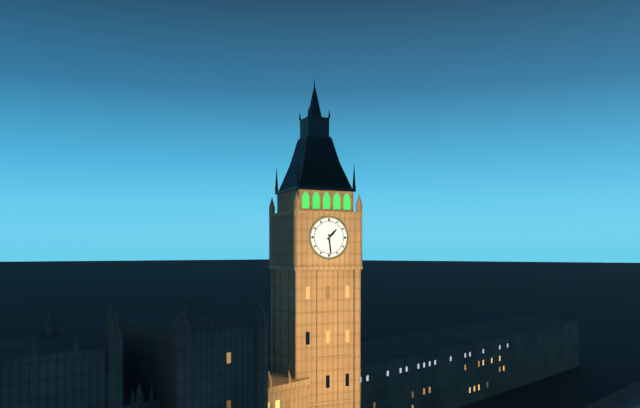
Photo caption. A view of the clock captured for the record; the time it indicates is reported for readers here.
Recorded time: 1:29
